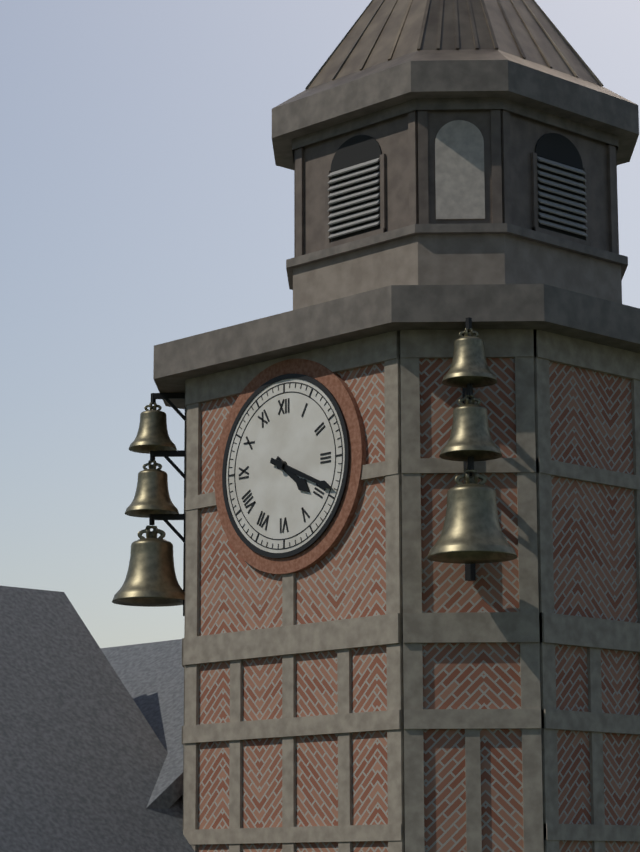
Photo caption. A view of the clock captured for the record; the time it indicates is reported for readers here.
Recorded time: 4:19
